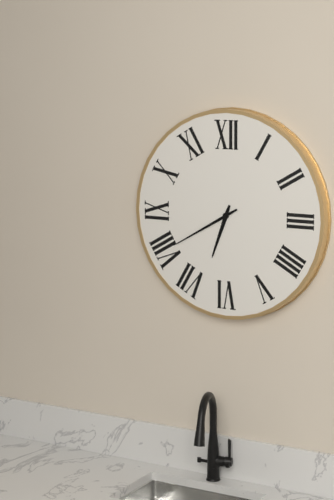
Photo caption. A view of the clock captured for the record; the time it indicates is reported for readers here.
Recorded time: 6:40
